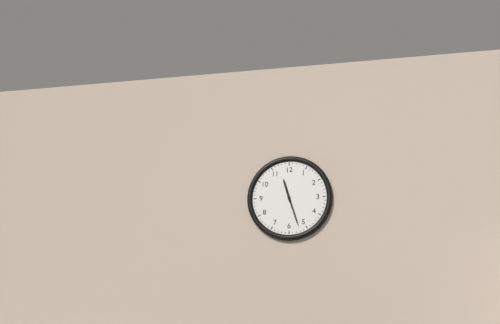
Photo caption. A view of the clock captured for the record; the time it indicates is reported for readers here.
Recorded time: 11:27
